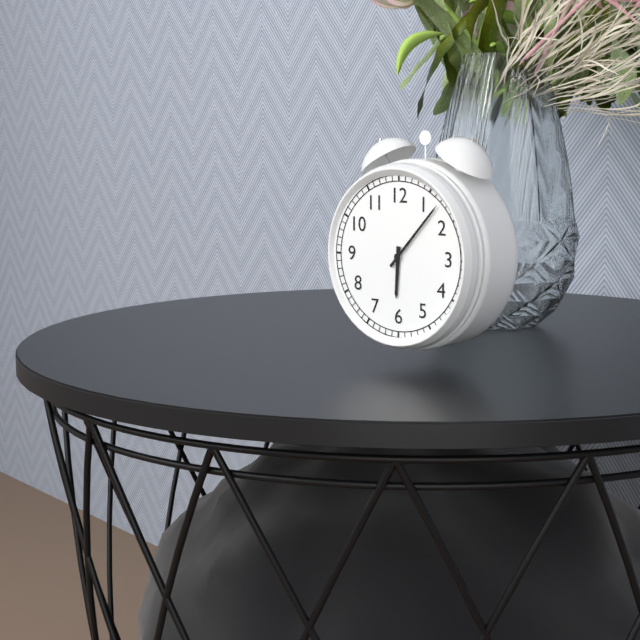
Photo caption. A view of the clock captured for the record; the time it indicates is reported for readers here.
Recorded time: 6:07
